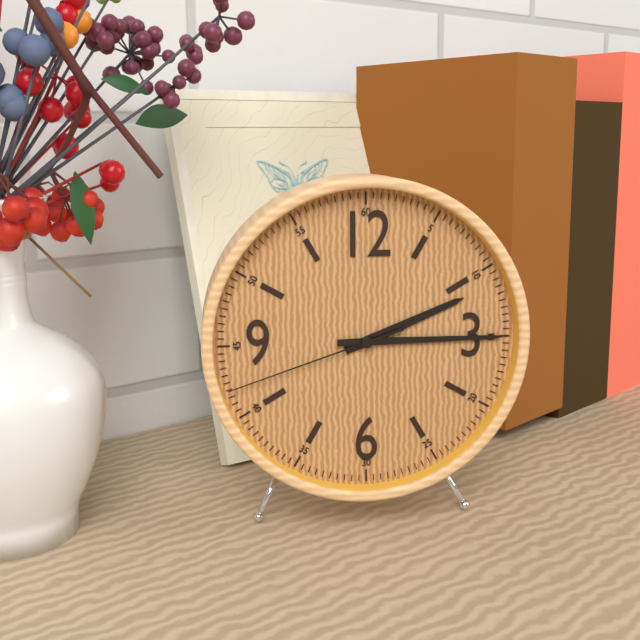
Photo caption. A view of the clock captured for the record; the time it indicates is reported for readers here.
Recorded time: 2:15:42
